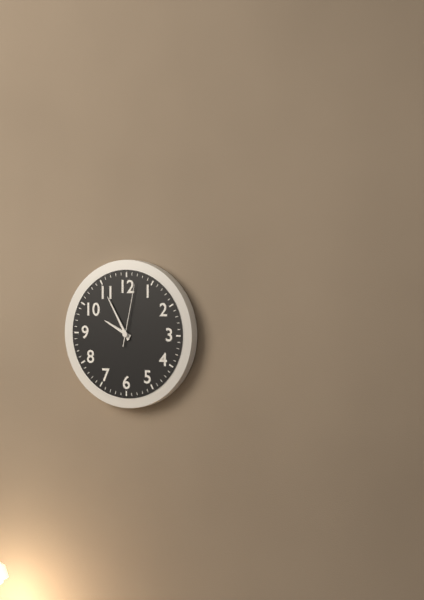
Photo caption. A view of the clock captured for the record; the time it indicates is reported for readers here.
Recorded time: 9:55:02
